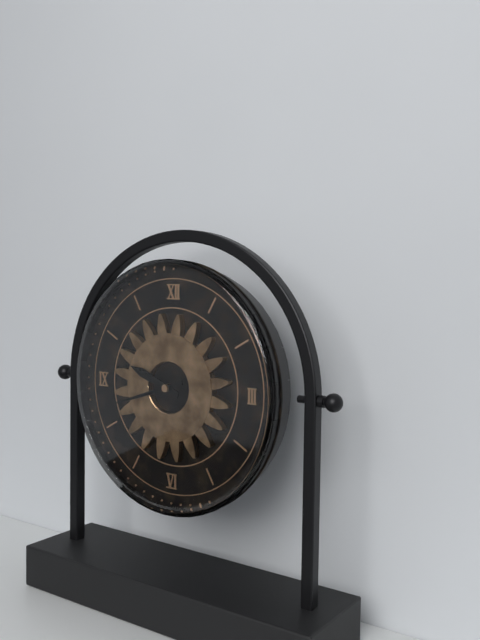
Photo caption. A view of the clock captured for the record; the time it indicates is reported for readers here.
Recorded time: 9:42
